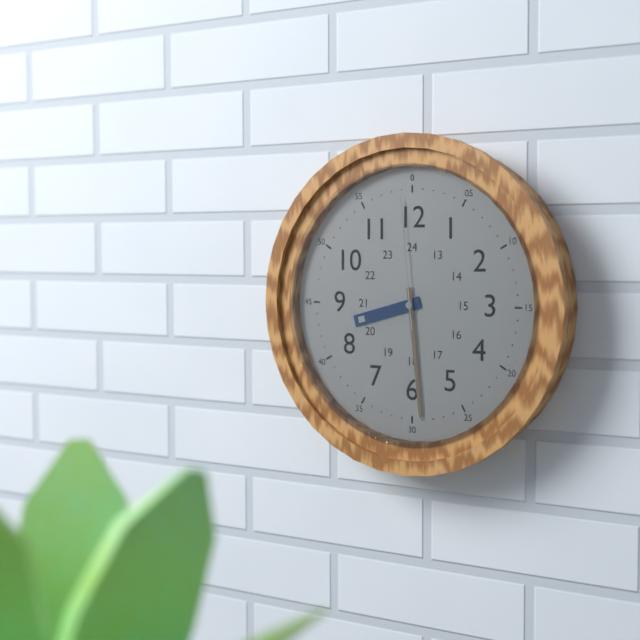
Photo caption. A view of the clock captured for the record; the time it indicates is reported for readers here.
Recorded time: 8:29:59
